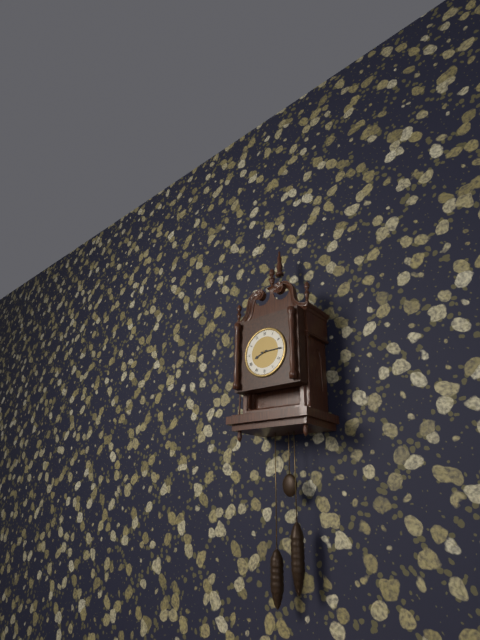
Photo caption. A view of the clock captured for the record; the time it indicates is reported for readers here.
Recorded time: 8:15
